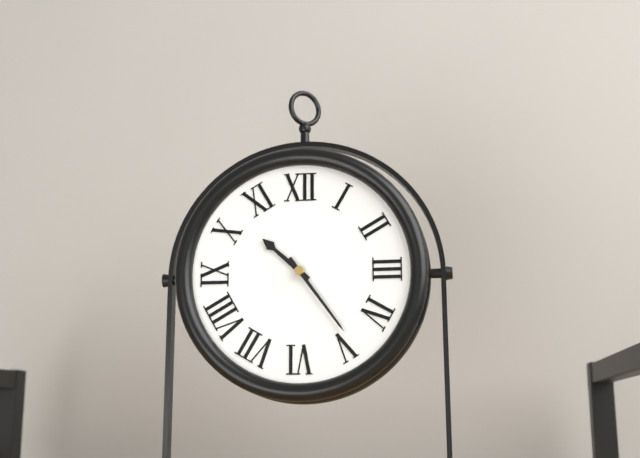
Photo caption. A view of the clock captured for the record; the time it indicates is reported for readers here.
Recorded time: 10:24
